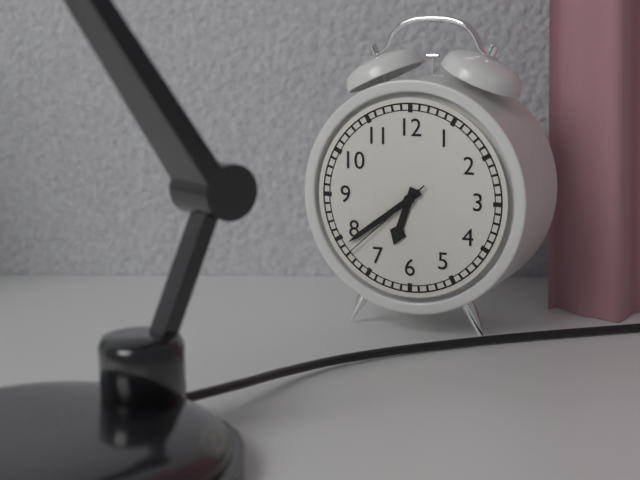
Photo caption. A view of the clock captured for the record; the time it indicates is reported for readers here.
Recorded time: 6:39:38
